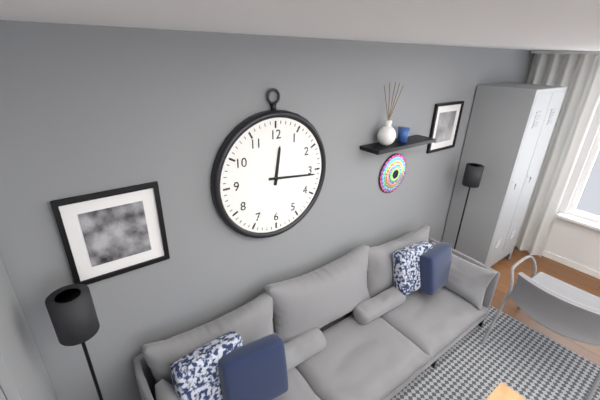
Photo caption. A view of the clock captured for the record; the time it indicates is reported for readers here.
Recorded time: 12:16
